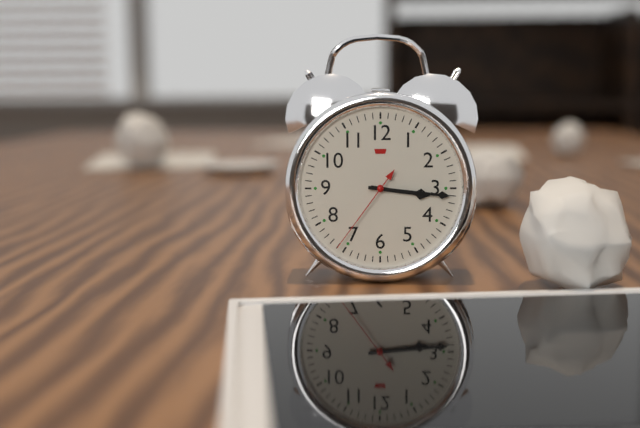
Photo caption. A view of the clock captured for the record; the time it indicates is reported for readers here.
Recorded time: 3:16:36
